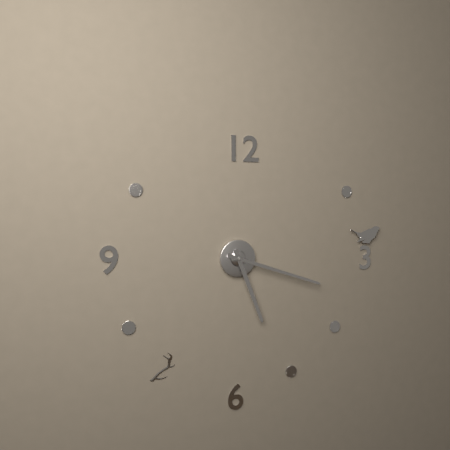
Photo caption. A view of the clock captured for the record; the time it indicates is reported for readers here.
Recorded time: 5:18
